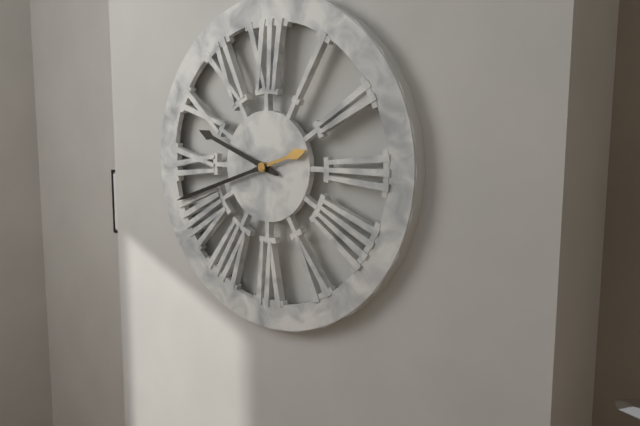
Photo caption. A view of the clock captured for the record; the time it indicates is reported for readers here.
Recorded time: 9:42
